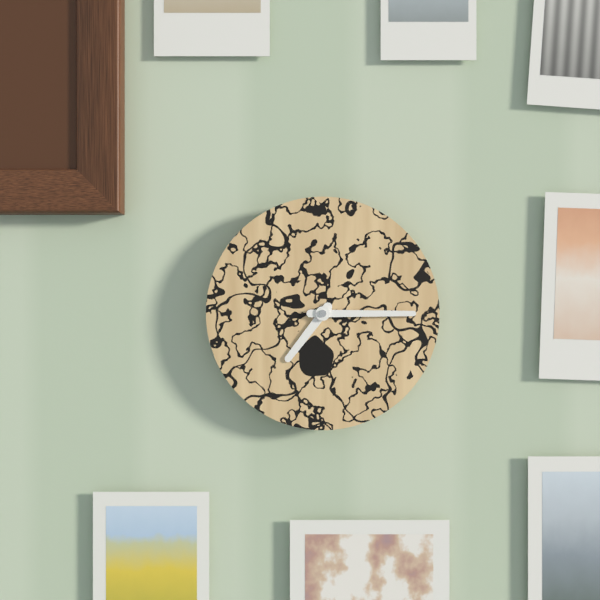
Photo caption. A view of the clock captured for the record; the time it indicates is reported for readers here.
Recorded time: 7:15
